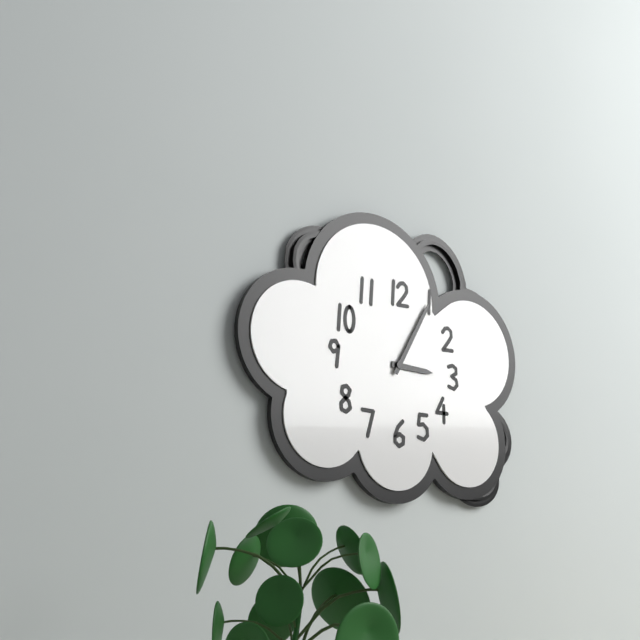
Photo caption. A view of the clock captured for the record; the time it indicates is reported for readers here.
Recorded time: 3:05
